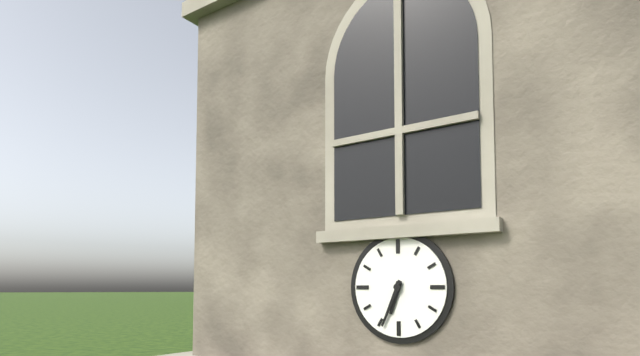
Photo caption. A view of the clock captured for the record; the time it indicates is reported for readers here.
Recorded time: 6:34
